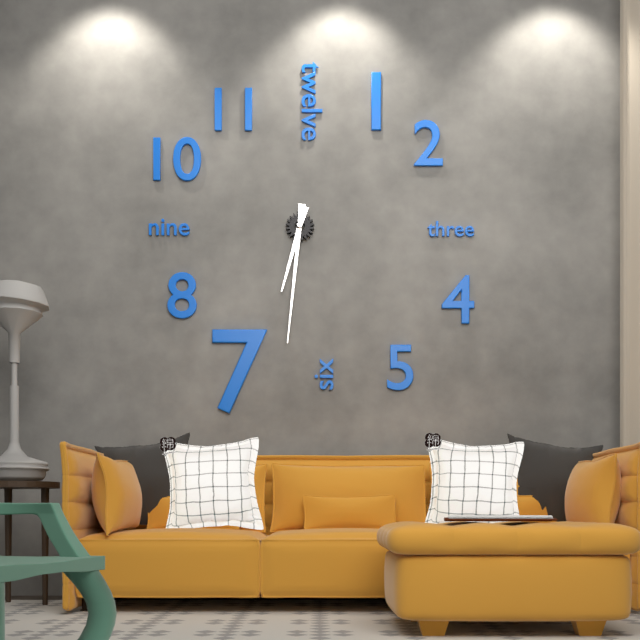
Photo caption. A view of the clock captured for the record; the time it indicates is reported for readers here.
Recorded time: 6:31
